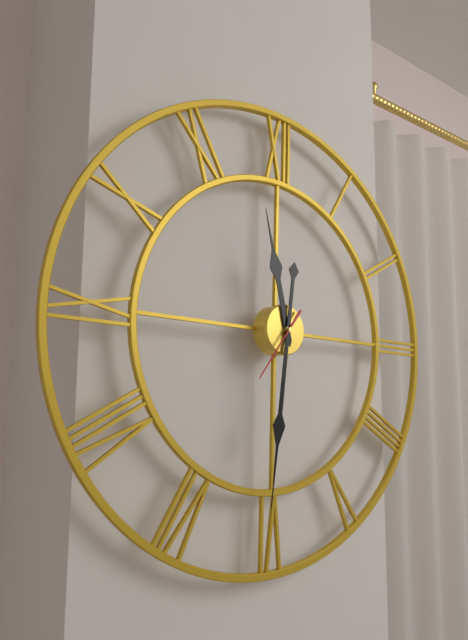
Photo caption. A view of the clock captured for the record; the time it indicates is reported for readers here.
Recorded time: 11:31:36
